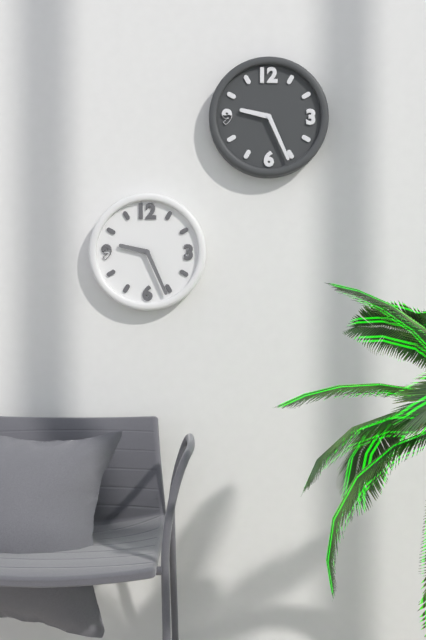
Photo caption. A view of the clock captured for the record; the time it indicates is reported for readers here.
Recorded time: 9:26
